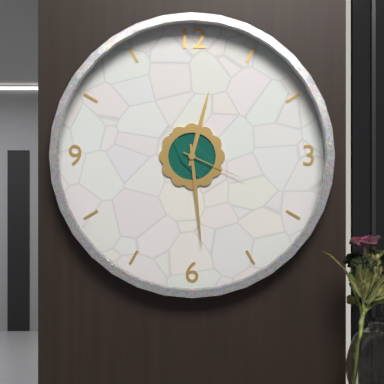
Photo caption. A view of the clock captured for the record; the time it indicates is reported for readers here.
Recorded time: 12:29:19
